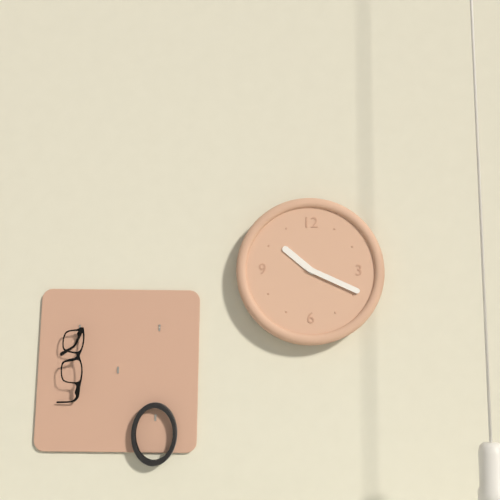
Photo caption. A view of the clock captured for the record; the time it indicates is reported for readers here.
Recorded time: 10:19
